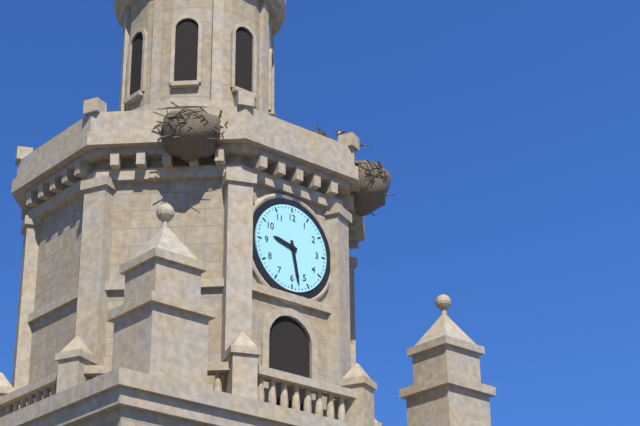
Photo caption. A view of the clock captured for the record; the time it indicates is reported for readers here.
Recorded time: 9:28
